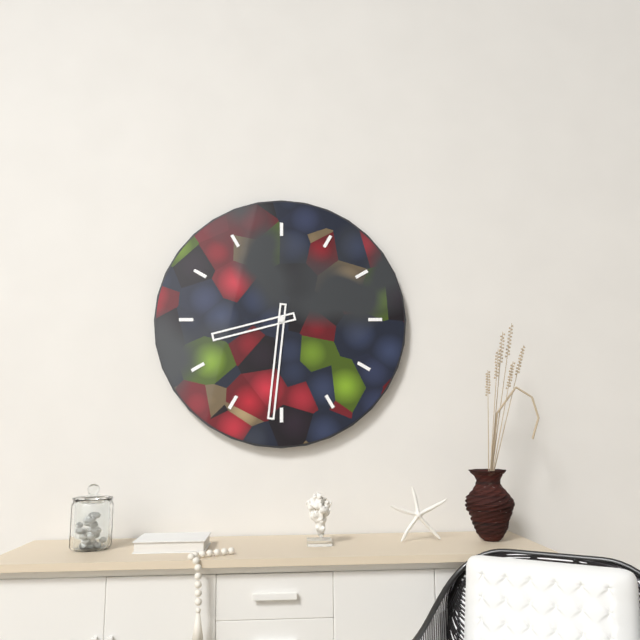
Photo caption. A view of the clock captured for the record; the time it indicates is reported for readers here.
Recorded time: 8:31
